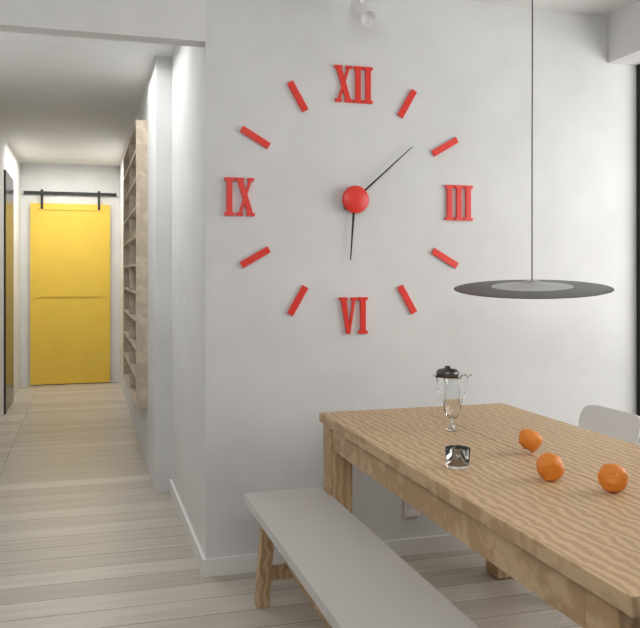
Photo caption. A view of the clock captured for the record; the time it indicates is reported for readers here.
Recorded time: 6:08
